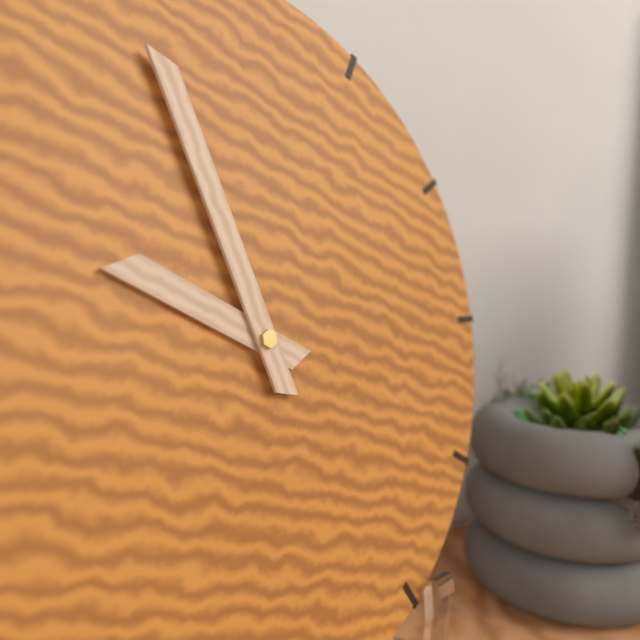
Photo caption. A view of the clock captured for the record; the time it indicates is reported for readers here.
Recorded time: 9:57
